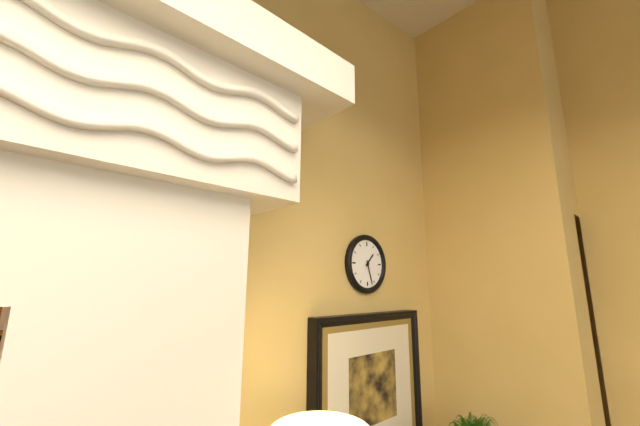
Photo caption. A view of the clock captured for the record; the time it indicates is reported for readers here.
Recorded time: 1:27
